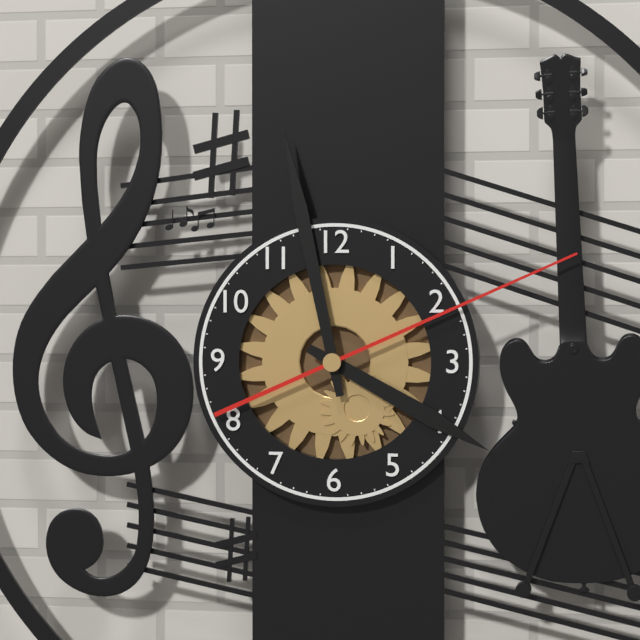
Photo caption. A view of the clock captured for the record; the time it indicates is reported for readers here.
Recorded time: 3:58:11
